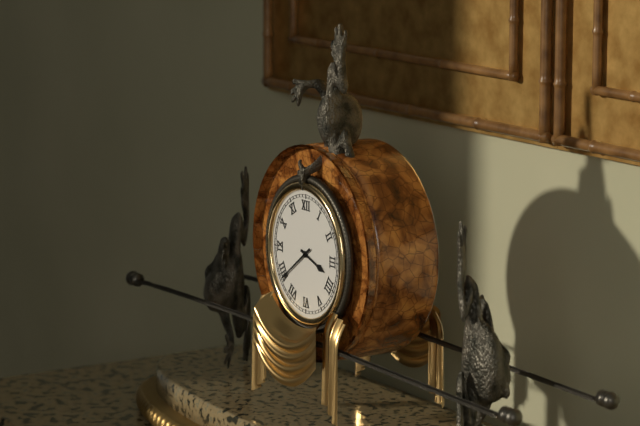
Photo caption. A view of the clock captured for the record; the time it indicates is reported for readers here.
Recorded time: 3:39
